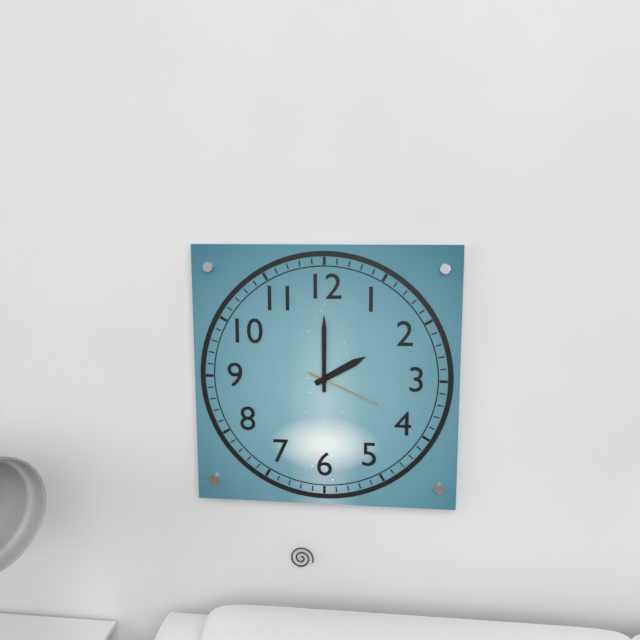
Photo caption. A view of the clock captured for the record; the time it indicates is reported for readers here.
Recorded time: 2:00:19
